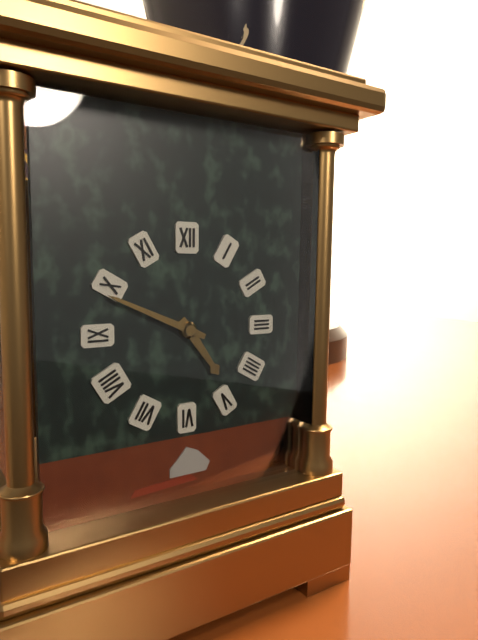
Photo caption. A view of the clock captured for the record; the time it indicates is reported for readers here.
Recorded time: 4:49
